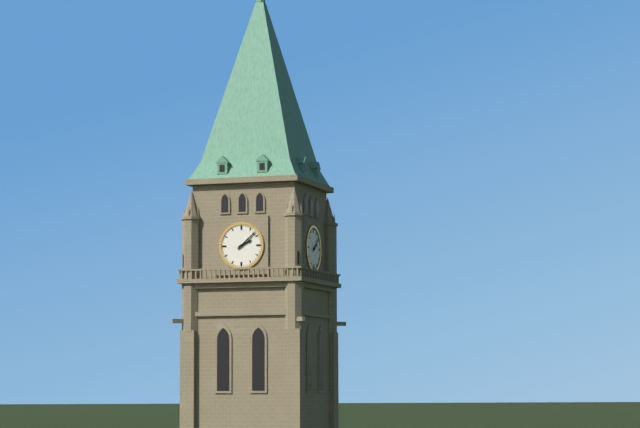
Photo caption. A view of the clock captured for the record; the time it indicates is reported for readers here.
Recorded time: 2:08
